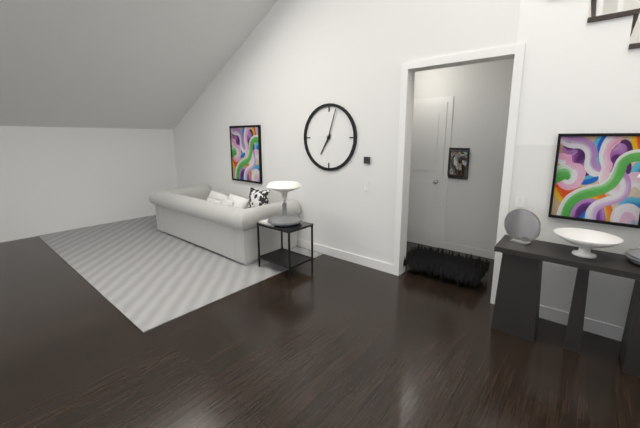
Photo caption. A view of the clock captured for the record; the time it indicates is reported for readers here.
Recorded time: 7:03
